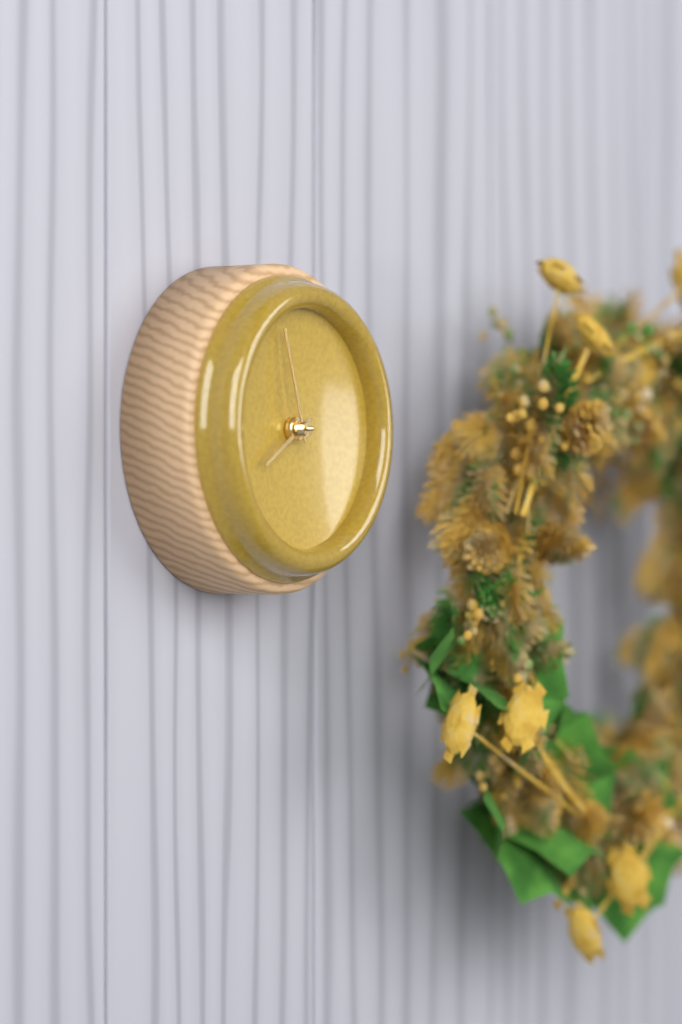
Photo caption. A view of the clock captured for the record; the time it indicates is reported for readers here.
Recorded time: 7:57
